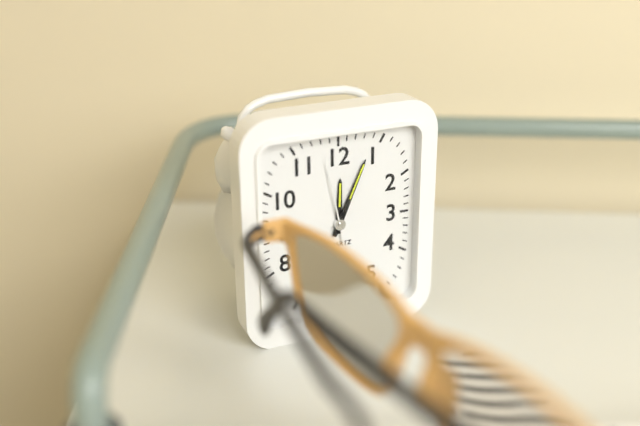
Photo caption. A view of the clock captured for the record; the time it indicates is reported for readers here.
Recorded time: 12:04:58
